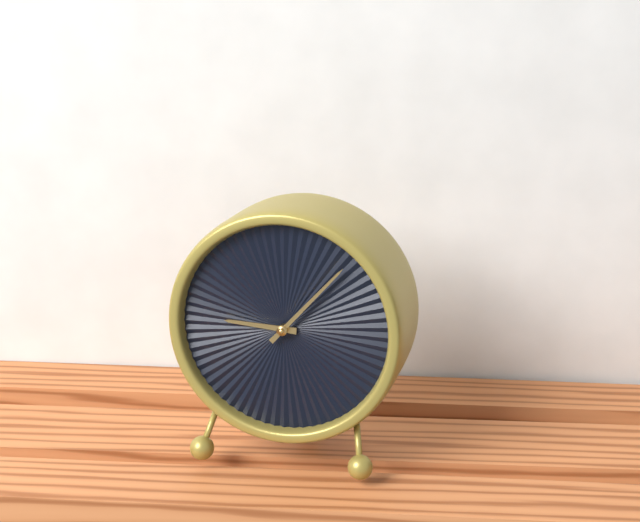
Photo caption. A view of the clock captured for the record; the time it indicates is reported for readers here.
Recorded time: 9:07
